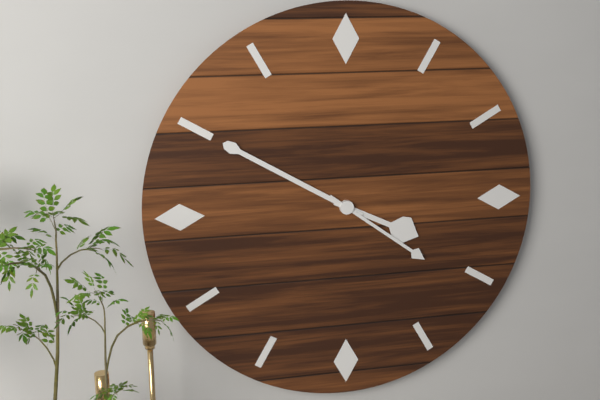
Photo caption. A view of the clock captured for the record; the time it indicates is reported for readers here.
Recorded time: 3:50:21
